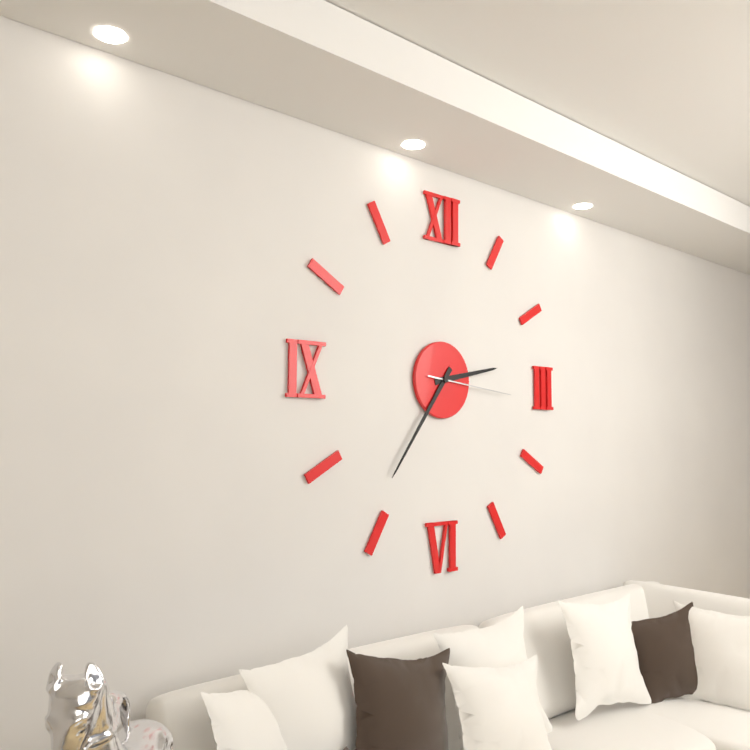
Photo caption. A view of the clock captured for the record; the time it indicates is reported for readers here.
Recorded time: 2:36:16
